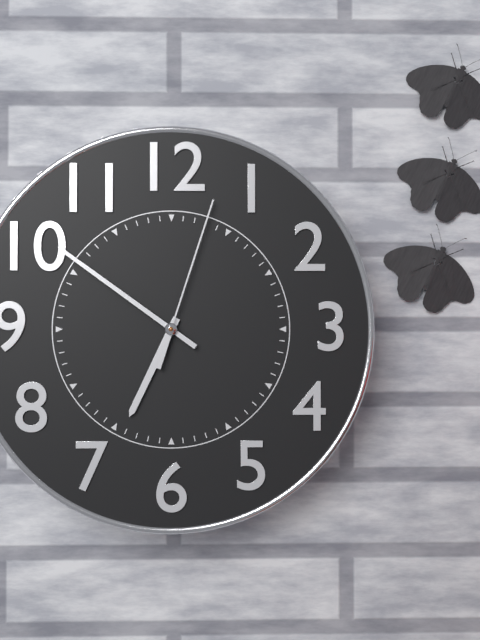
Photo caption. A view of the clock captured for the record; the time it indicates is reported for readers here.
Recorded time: 6:51:03
